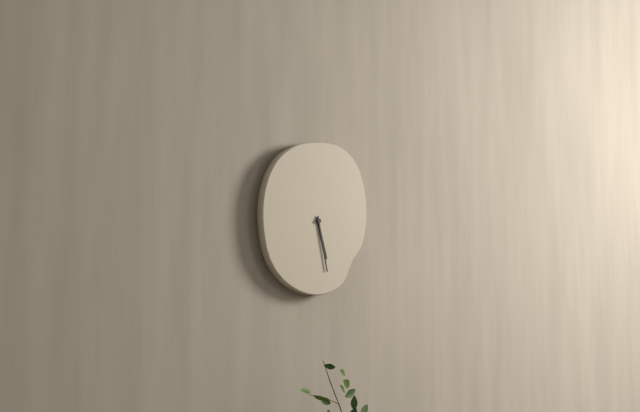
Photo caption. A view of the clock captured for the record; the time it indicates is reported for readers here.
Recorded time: 5:28
